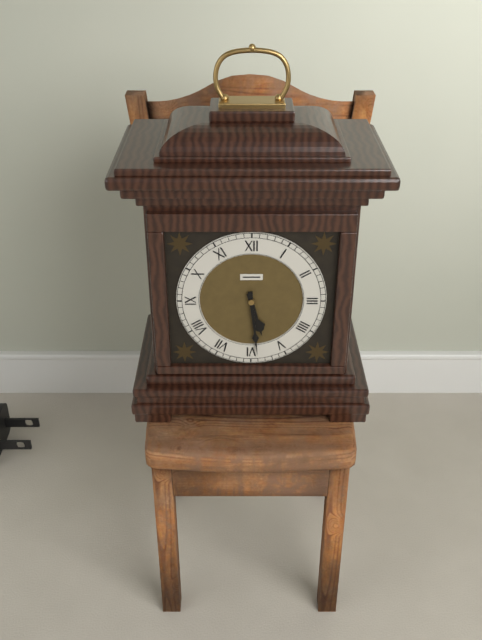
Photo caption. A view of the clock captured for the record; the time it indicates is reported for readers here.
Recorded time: 5:29
